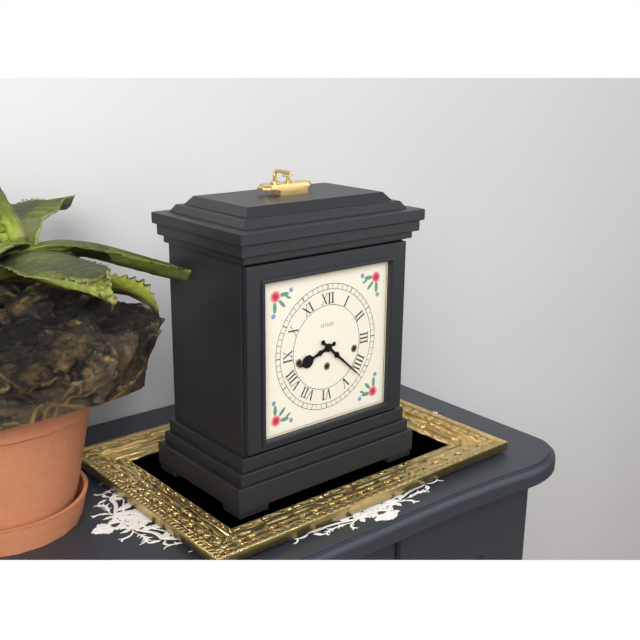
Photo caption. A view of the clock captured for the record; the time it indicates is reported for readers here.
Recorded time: 8:22
